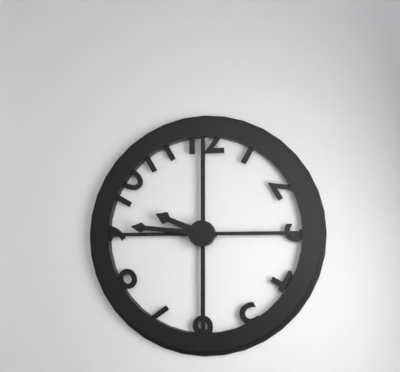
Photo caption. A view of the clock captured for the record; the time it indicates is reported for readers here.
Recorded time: 9:46
